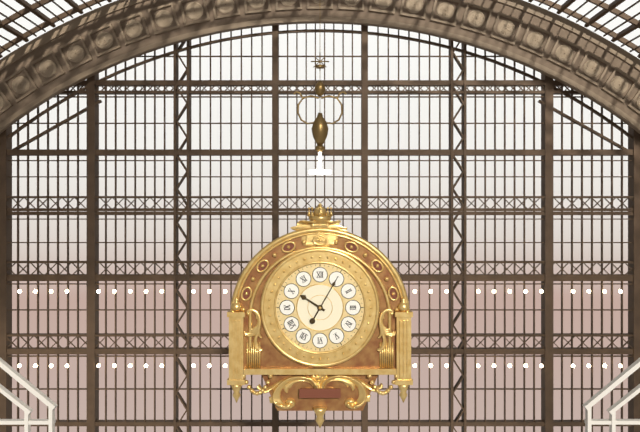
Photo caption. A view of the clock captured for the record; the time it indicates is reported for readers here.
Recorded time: 10:05
